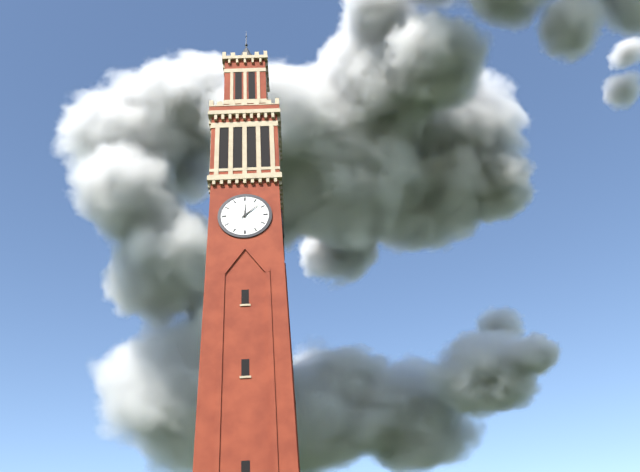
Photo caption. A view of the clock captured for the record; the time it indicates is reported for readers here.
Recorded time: 12:08
